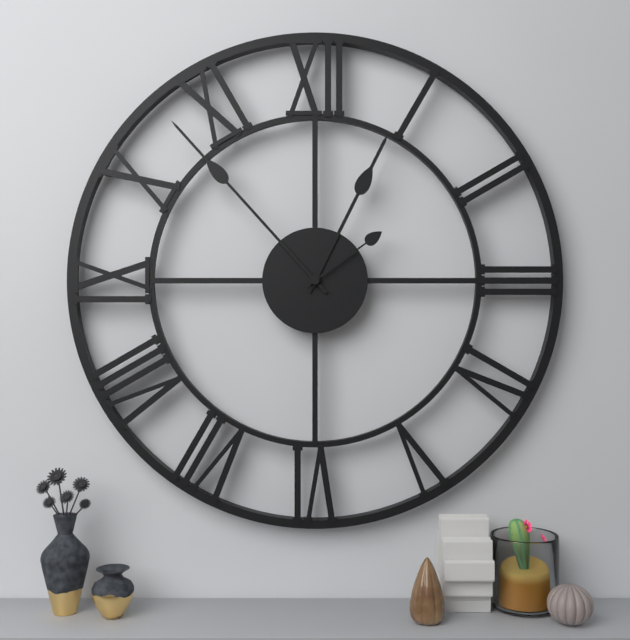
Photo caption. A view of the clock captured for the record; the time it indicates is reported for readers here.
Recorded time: 12:53:09
